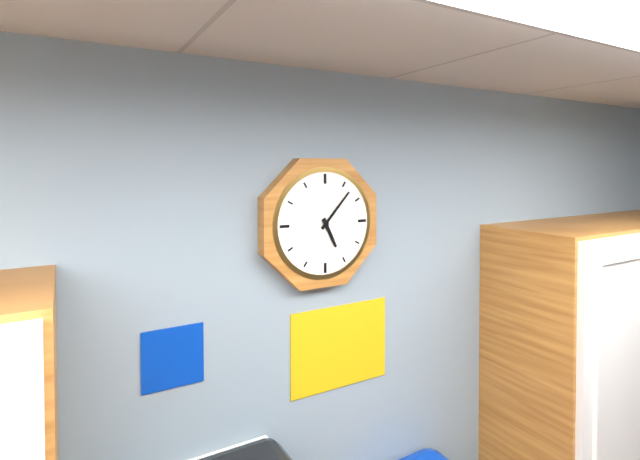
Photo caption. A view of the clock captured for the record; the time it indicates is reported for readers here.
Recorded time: 5:07
